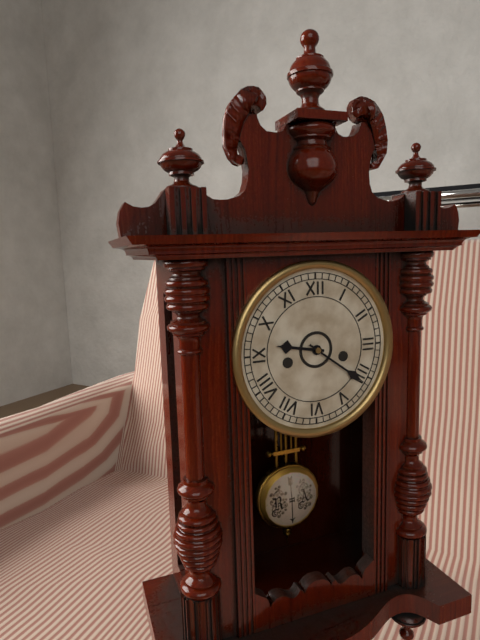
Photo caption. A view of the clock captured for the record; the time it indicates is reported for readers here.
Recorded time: 9:21
